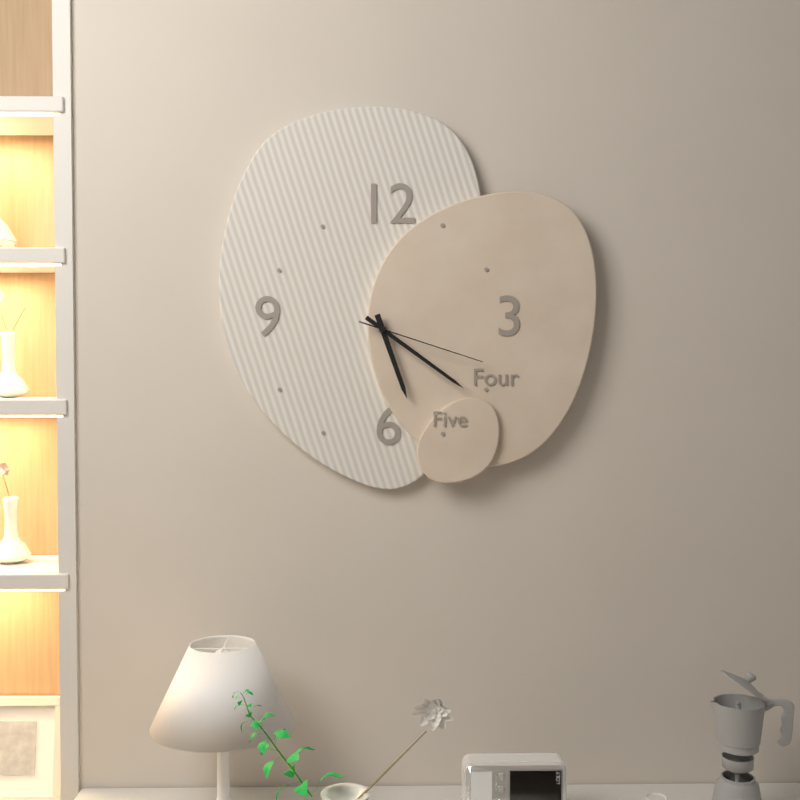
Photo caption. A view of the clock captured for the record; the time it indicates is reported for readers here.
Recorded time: 5:21:18
